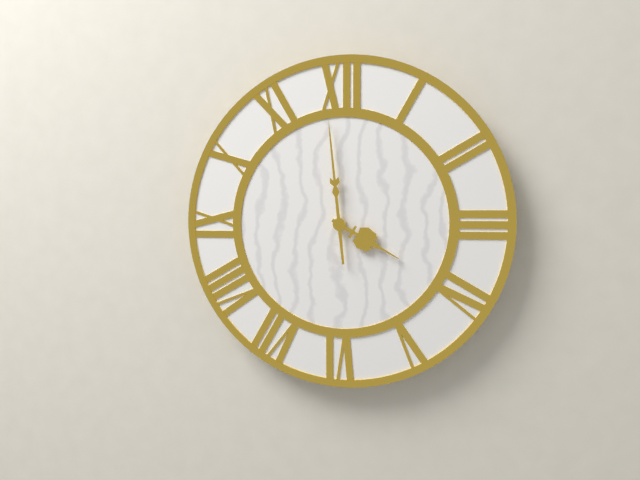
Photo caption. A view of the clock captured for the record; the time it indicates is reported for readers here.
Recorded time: 3:59
